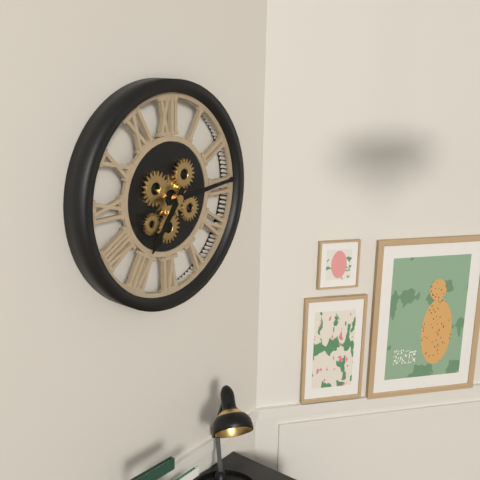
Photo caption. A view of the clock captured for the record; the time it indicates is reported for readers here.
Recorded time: 7:14
